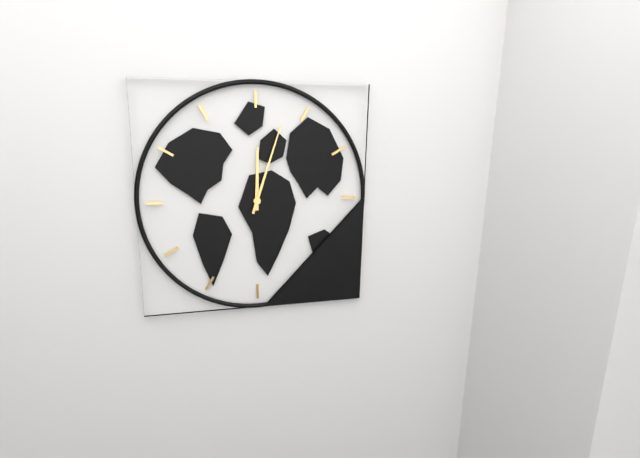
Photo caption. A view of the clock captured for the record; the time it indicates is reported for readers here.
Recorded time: 12:03
